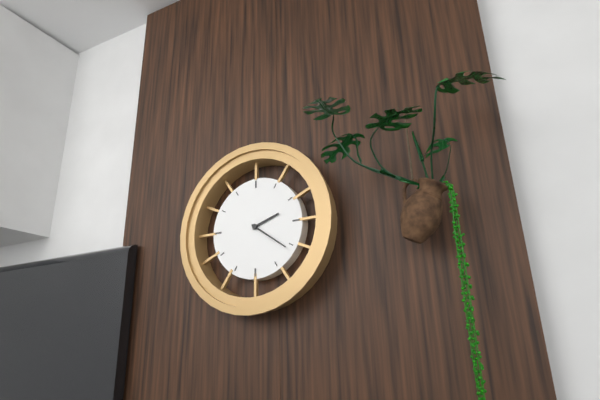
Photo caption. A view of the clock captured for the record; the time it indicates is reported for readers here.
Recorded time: 2:21
